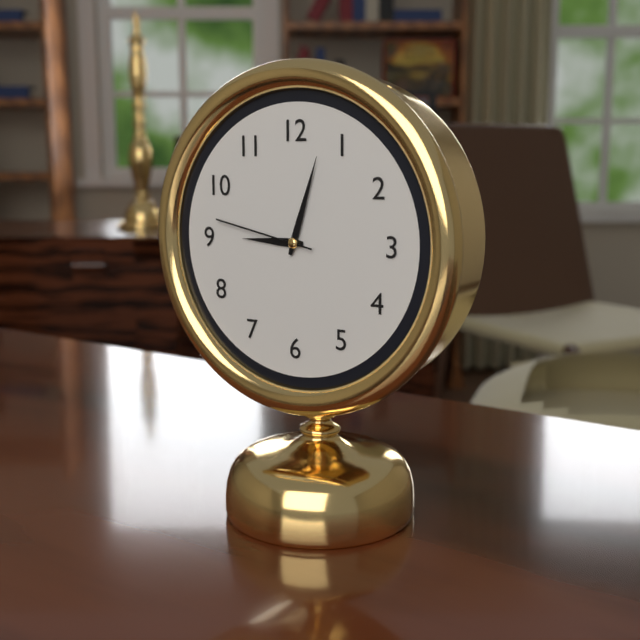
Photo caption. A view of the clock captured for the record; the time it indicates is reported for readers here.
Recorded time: 9:03:47
